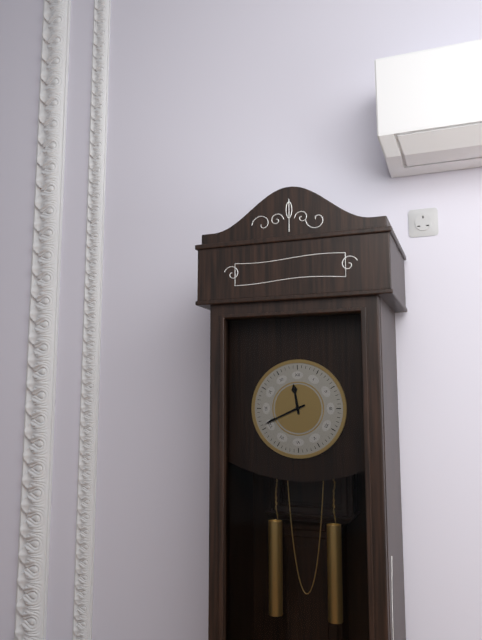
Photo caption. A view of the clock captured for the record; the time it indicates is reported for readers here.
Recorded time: 11:41
